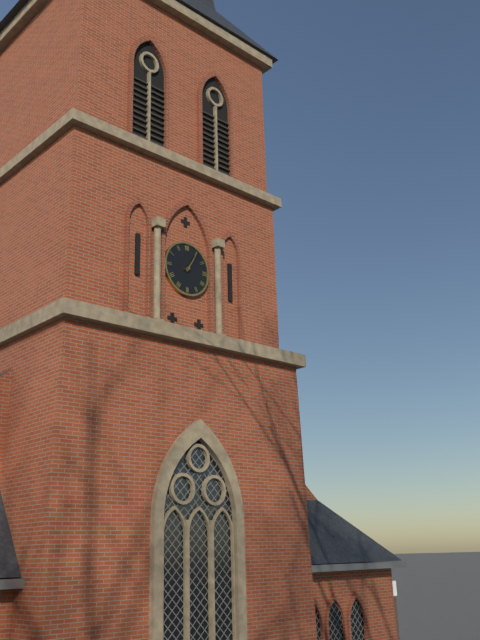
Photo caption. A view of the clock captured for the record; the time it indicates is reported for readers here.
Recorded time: 1:05
